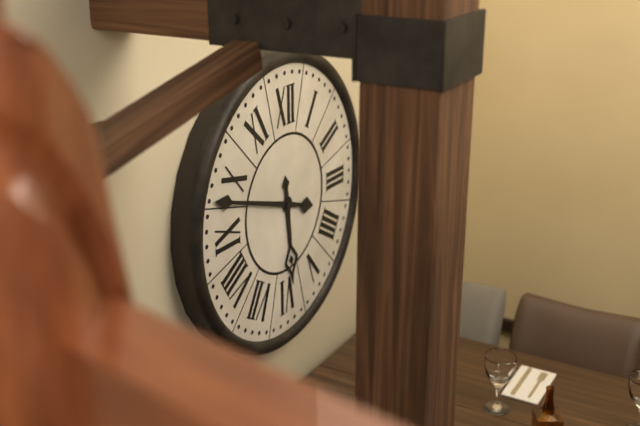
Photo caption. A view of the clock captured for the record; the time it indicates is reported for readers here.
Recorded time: 5:48
